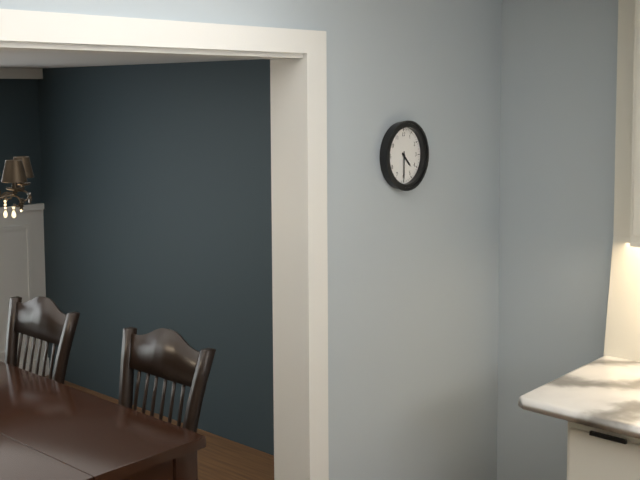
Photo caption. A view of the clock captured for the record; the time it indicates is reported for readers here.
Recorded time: 4:30
